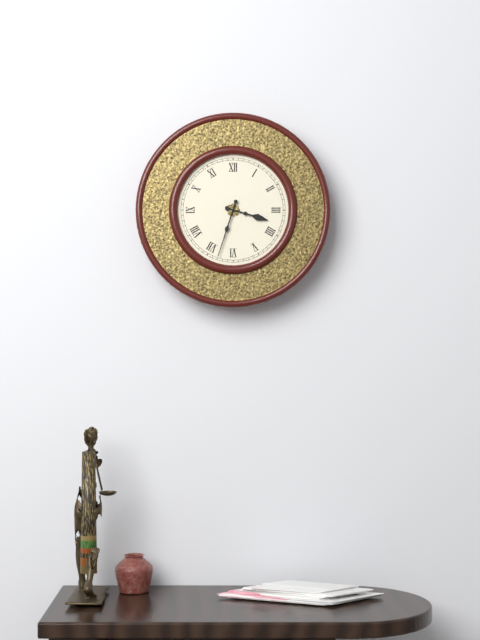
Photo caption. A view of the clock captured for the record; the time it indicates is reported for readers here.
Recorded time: 3:33
